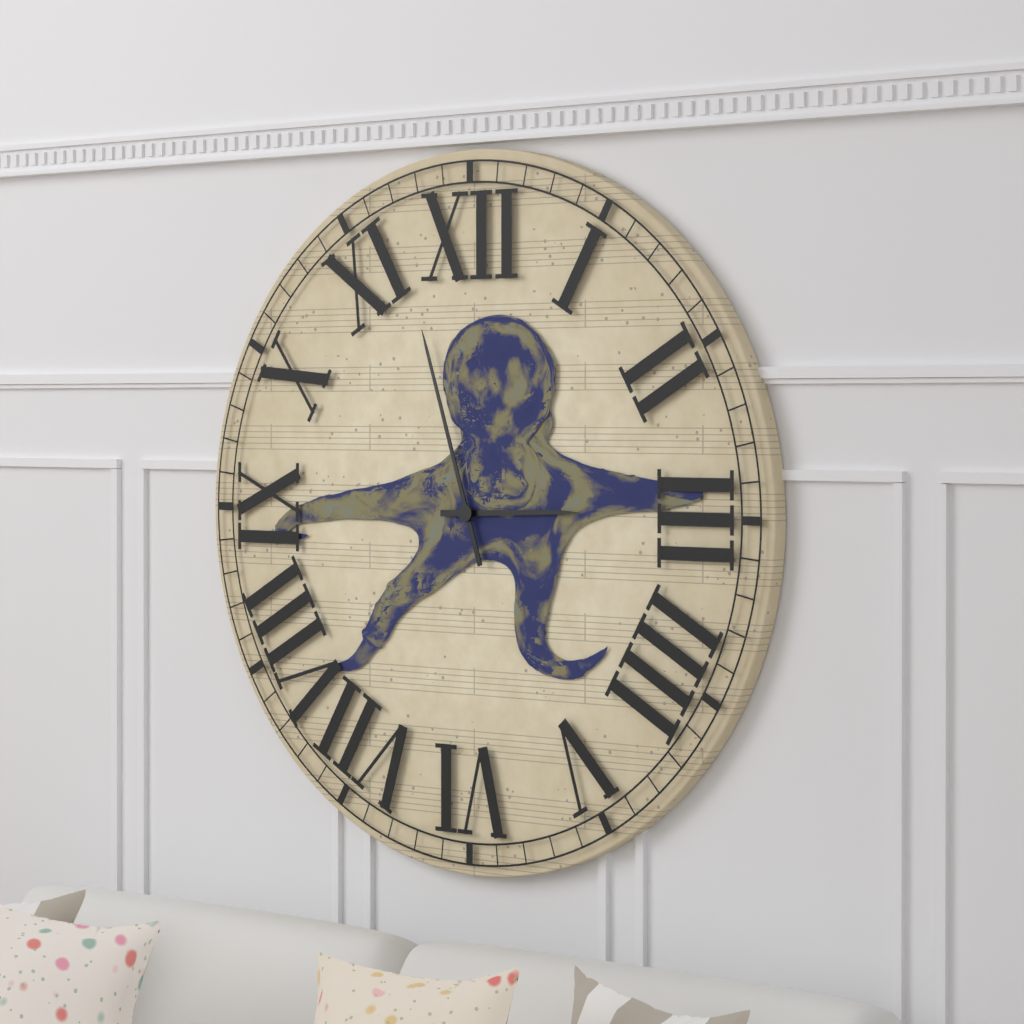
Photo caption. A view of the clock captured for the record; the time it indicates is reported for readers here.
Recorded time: 2:57
